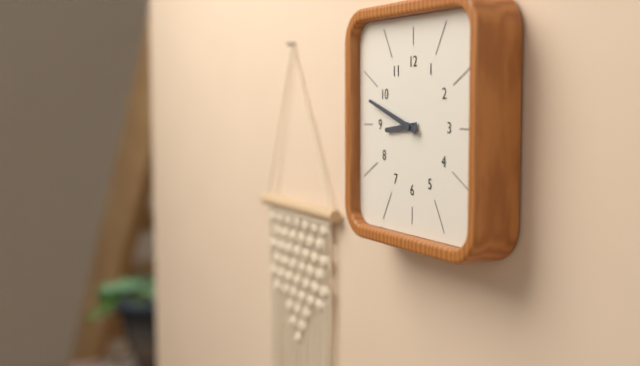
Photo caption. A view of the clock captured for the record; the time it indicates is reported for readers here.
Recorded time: 8:48
